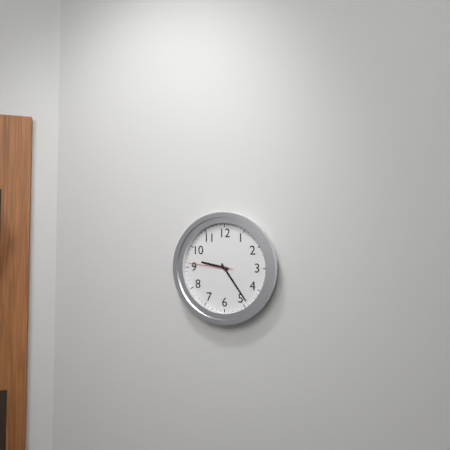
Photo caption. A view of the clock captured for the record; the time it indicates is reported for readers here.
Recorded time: 9:24
